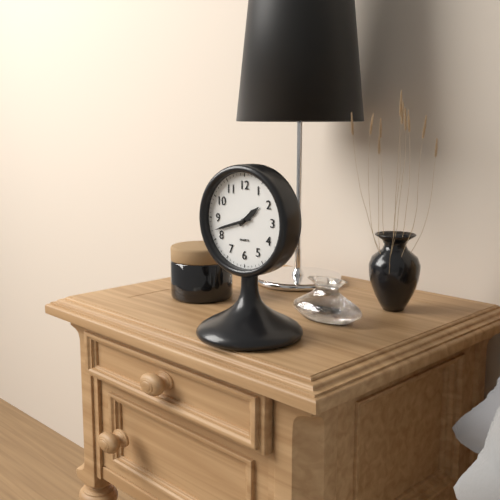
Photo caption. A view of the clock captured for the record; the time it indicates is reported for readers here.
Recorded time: 1:42
